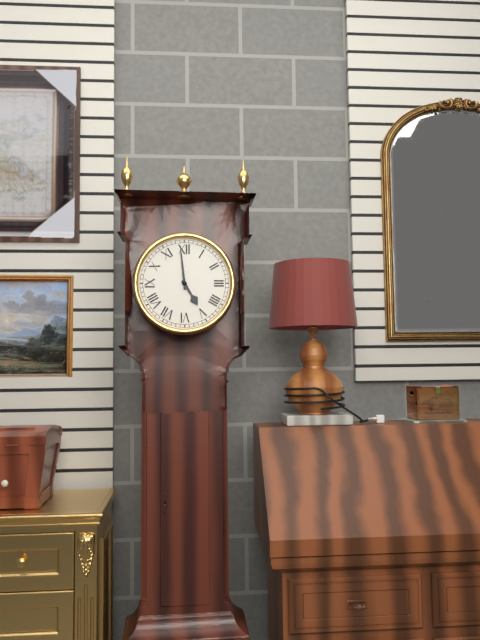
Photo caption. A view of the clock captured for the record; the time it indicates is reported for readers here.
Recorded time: 4:59
